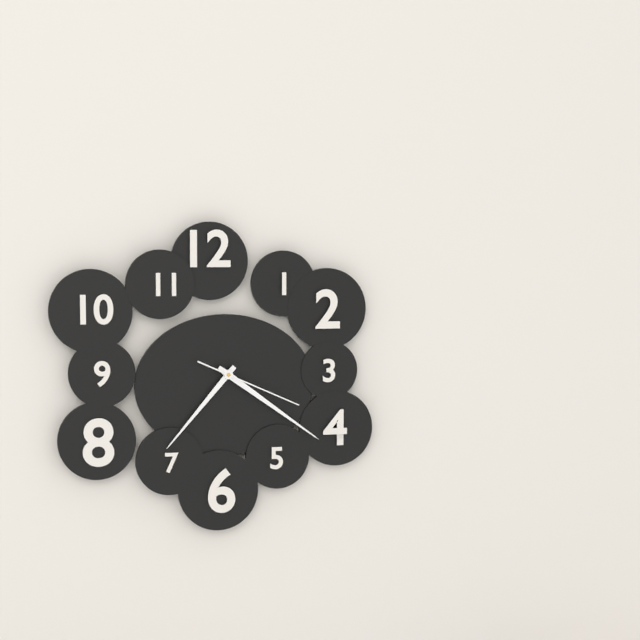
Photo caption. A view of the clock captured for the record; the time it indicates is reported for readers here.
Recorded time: 7:21:19
